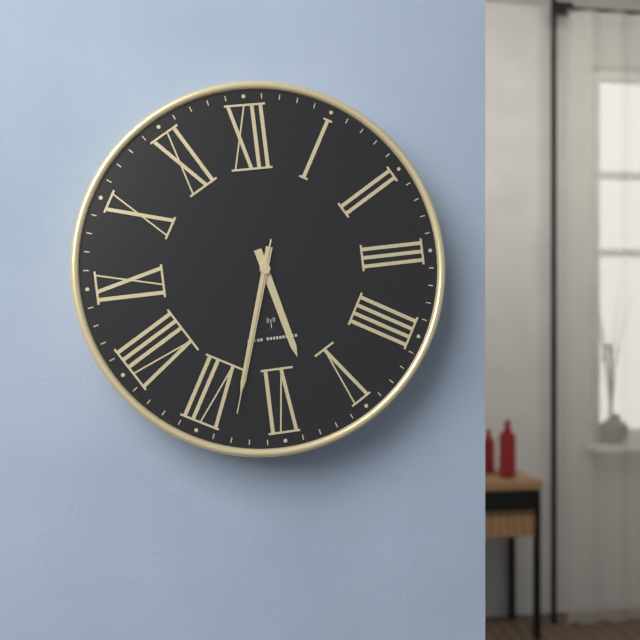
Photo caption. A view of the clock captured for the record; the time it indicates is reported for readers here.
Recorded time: 5:33:33
